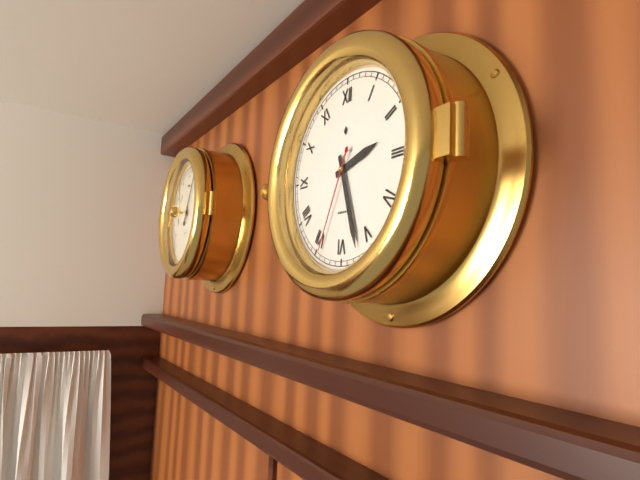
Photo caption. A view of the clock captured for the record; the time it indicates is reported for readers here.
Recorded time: 2:27:34
